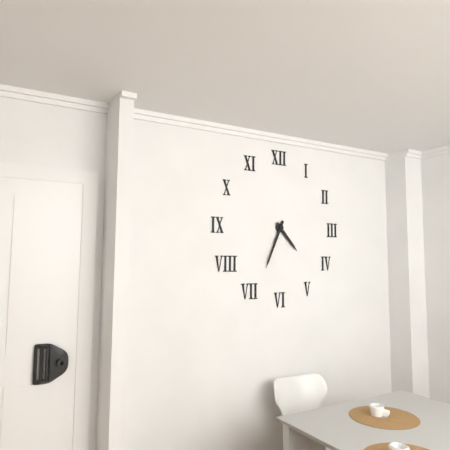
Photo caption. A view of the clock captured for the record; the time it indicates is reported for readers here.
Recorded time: 4:34
